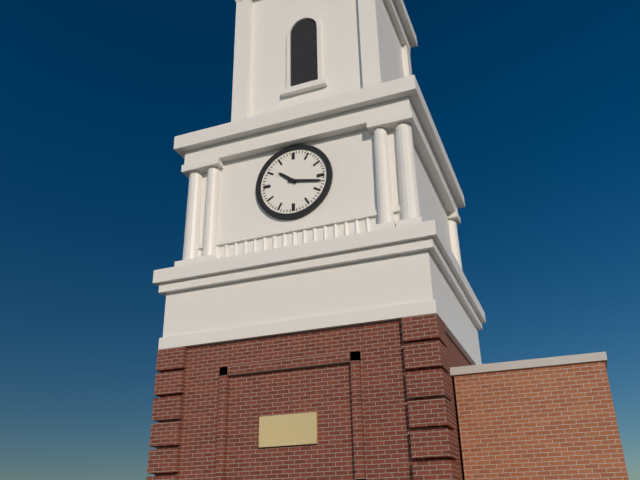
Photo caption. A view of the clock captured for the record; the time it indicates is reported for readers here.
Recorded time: 10:17
